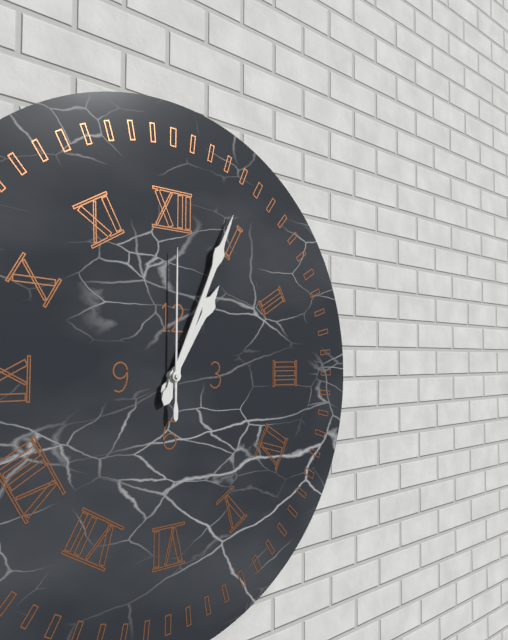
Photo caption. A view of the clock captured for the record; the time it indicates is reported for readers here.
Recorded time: 1:04:00
